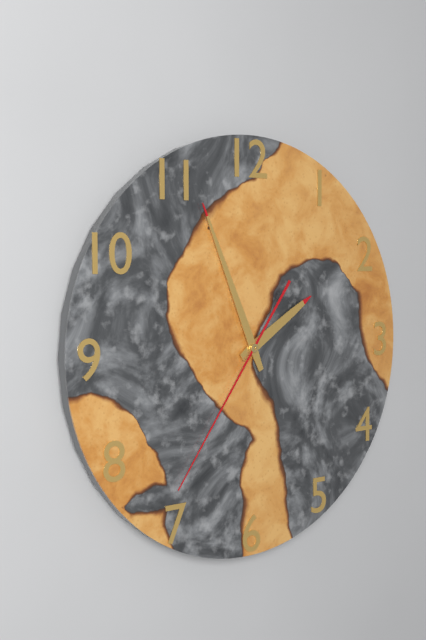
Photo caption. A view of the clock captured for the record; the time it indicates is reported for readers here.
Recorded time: 1:56:36
